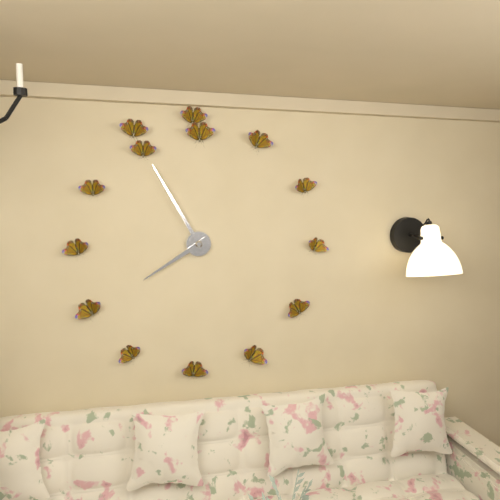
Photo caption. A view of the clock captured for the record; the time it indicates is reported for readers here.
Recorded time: 7:55
